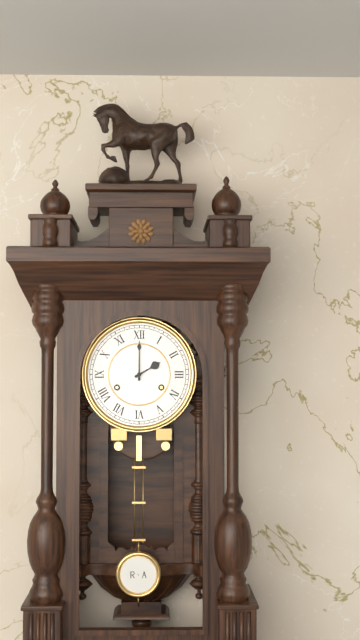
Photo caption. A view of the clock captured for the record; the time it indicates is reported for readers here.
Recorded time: 2:00
